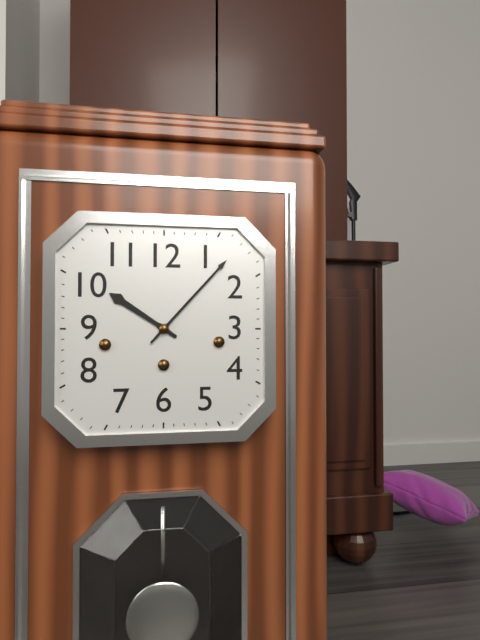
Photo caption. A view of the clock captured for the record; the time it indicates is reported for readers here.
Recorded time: 10:07
